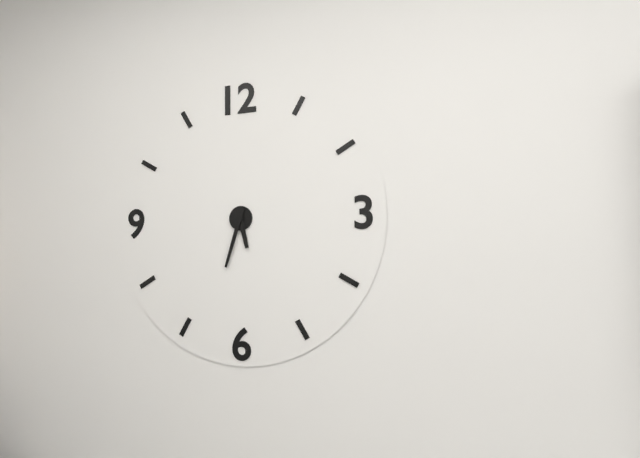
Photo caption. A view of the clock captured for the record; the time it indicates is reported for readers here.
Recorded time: 5:33
